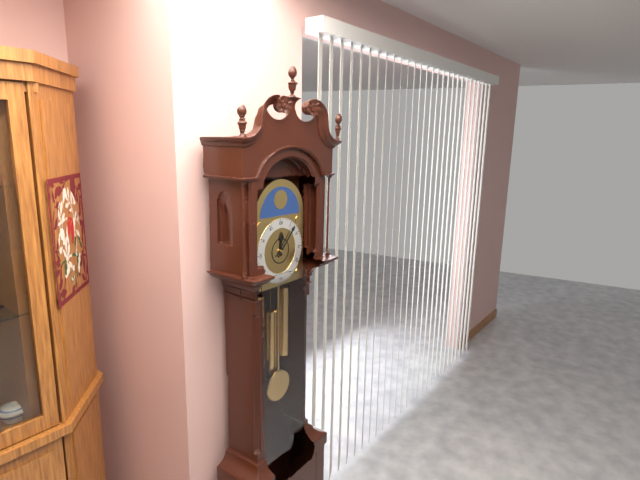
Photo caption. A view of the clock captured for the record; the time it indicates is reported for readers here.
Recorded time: 12:07
